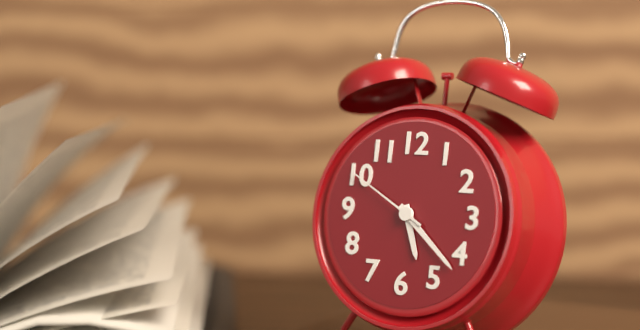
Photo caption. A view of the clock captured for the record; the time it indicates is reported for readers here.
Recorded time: 5:22:50
